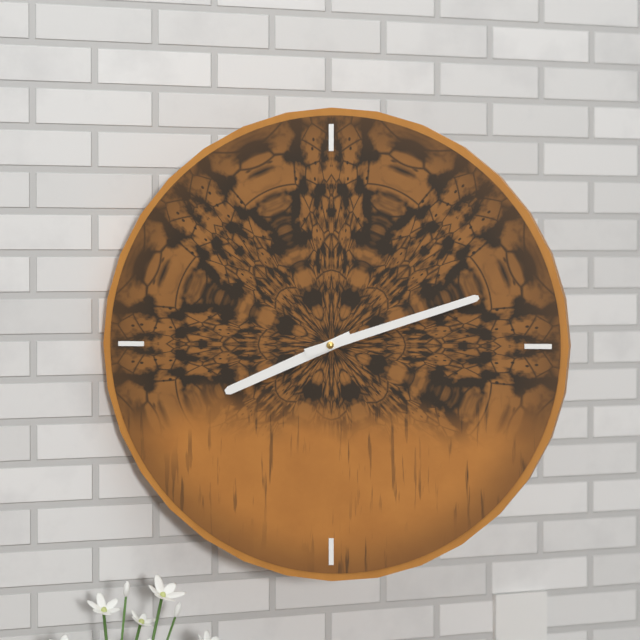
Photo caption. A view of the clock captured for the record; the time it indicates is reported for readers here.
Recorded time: 8:12
